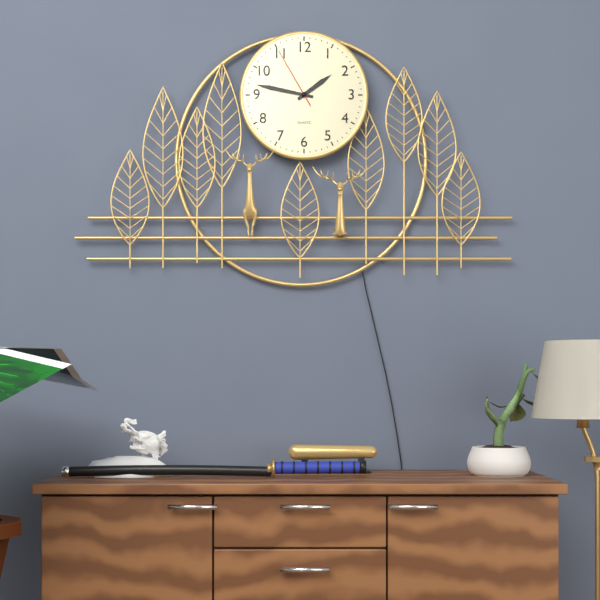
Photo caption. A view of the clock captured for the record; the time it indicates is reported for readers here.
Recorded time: 1:47:55
